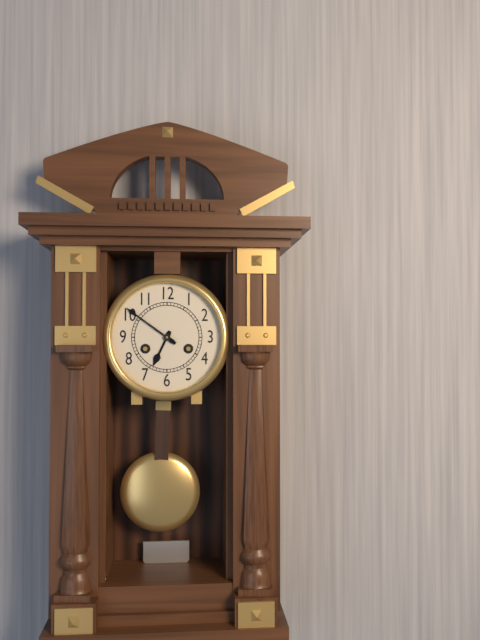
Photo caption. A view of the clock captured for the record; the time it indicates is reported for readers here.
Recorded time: 6:51
